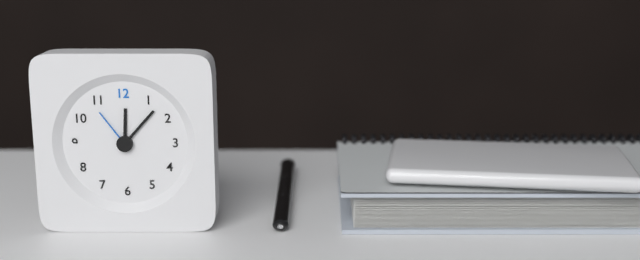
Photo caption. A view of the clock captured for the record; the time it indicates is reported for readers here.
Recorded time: 12:07:54
